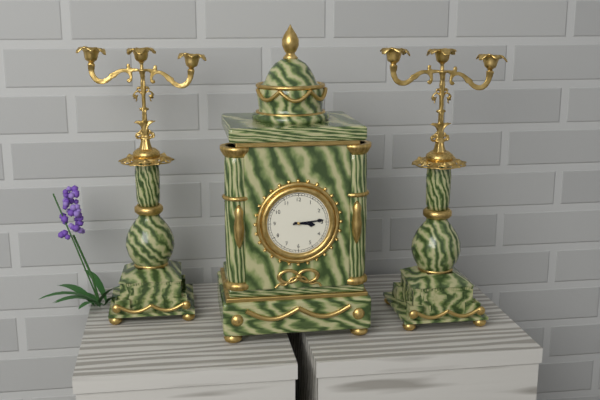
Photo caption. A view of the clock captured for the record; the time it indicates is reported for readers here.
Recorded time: 3:14
